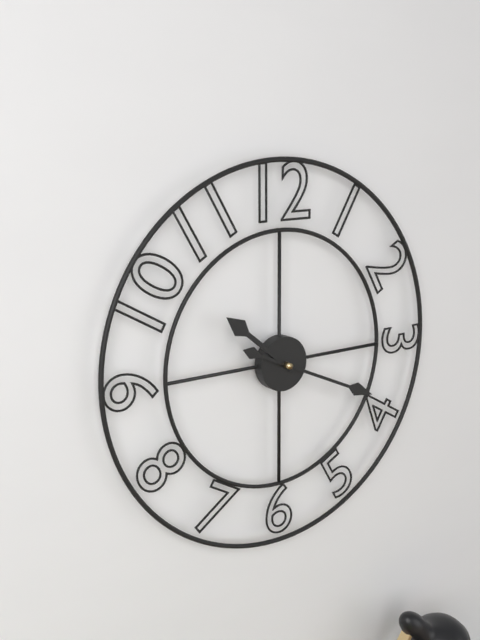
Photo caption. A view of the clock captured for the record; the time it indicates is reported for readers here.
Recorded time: 10:19
